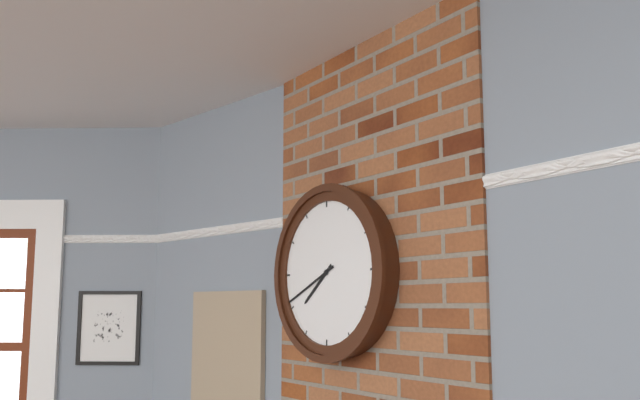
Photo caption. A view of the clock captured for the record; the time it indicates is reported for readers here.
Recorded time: 7:41
